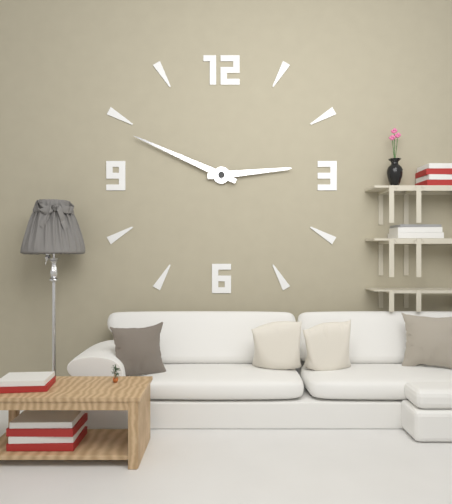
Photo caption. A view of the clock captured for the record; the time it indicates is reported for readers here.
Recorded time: 2:49
